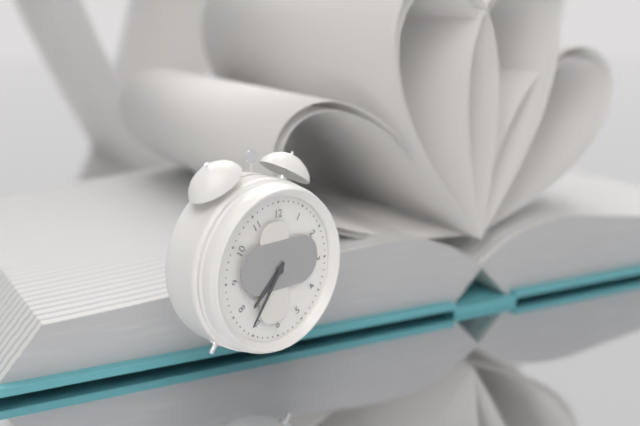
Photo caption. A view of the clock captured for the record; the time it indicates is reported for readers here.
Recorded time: 7:36
